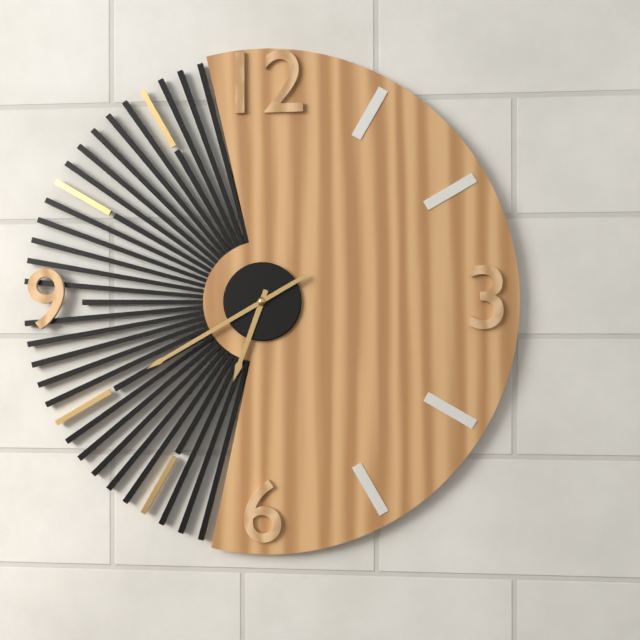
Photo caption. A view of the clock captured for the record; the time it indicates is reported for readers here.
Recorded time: 6:40
